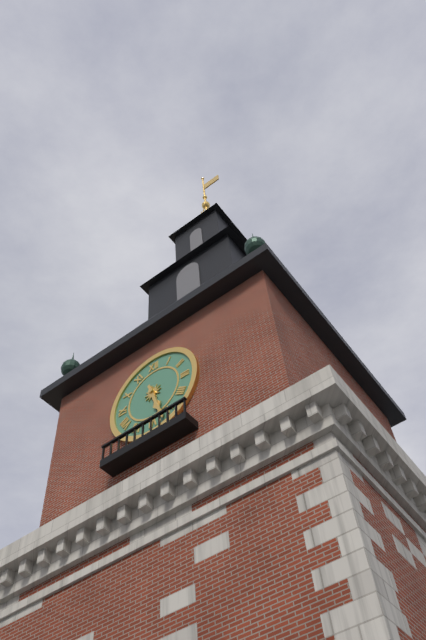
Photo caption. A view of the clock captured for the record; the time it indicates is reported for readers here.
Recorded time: 5:27
